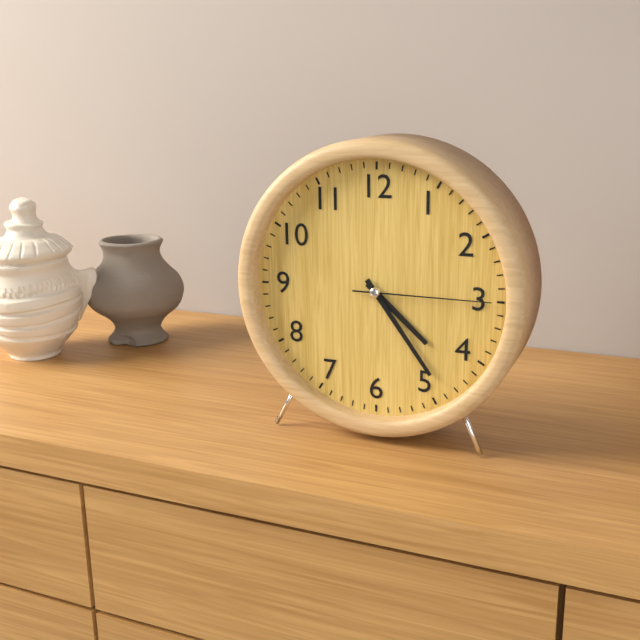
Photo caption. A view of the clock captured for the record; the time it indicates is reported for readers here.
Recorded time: 4:24:15
